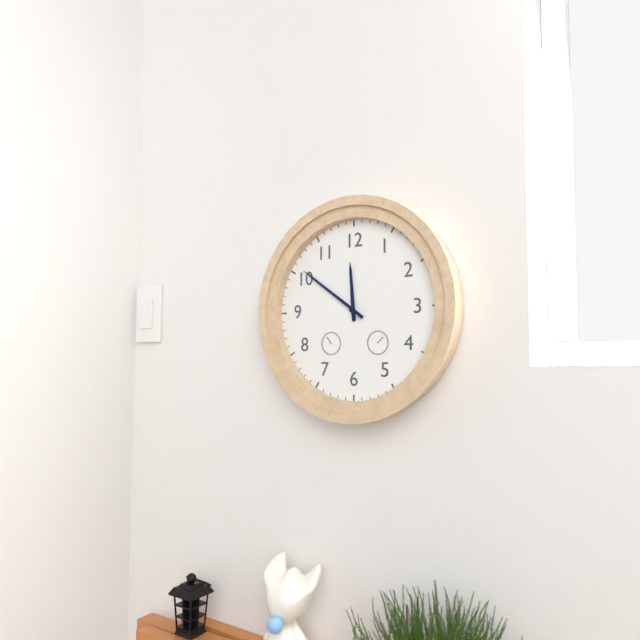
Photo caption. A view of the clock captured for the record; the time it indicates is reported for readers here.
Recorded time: 11:51
